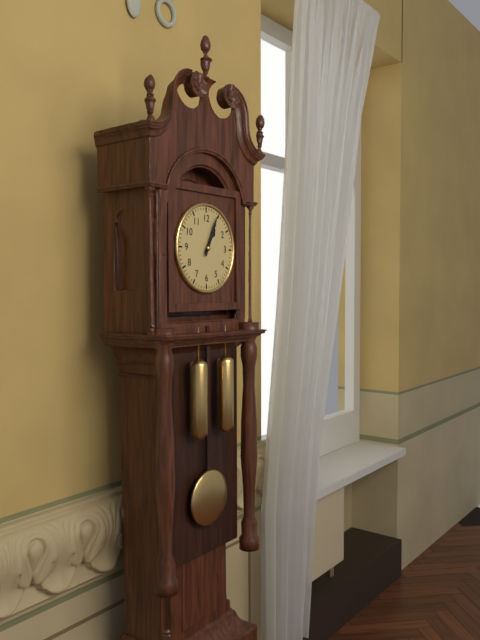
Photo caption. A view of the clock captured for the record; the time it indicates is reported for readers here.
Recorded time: 1:04
